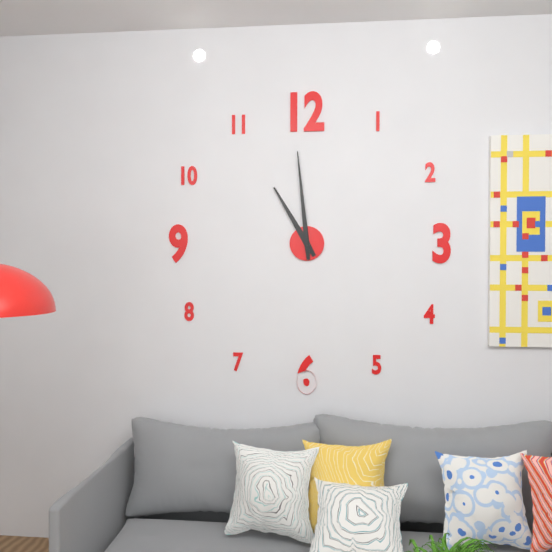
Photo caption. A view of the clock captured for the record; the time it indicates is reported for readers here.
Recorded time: 10:59
